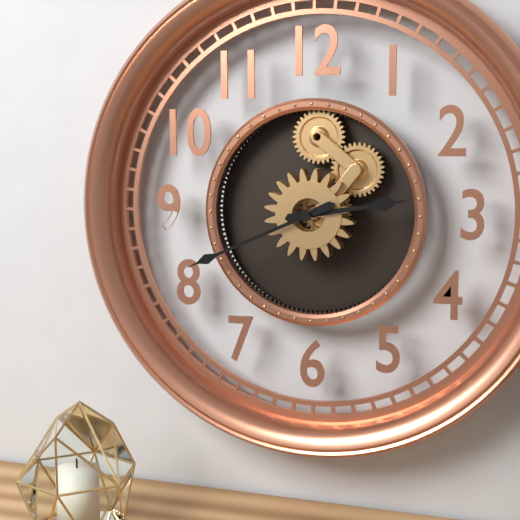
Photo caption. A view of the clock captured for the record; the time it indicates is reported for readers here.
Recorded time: 2:41
